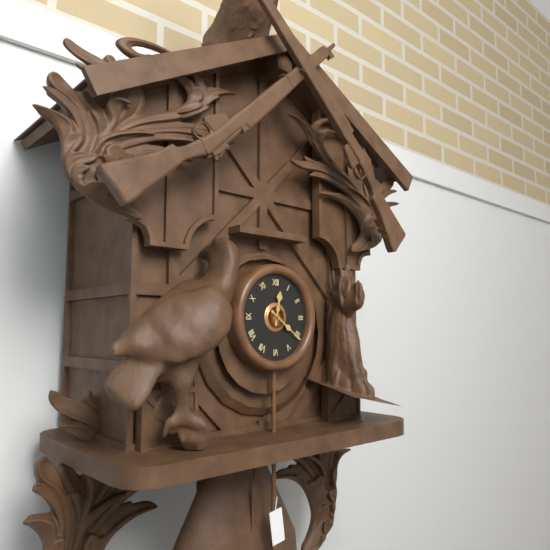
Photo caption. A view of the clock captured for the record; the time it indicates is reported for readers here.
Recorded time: 12:21
